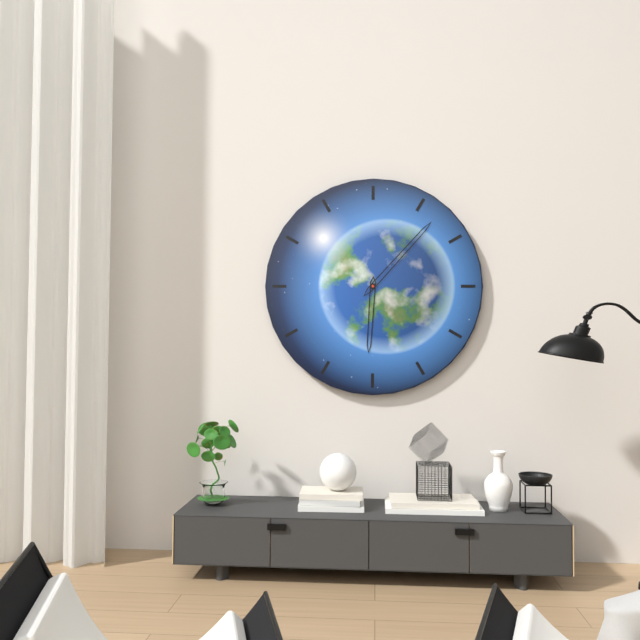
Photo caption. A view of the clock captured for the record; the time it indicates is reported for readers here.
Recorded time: 6:07
